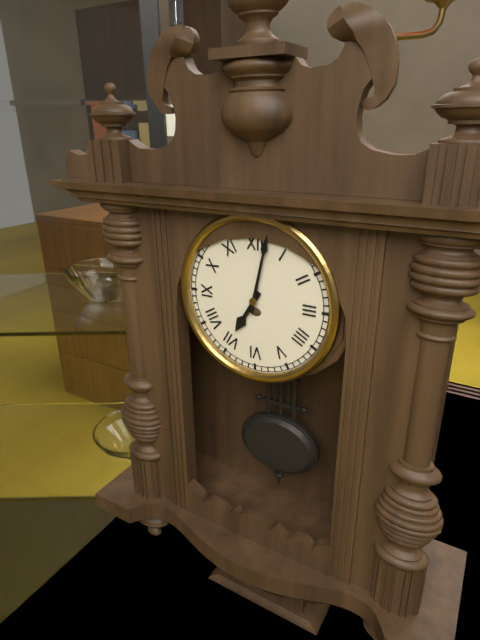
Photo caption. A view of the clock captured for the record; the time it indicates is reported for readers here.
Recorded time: 7:02
